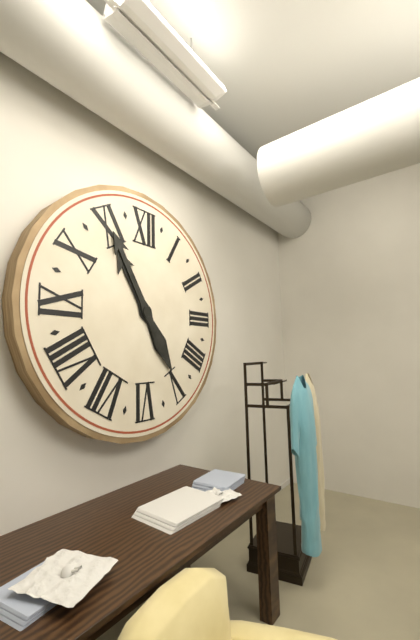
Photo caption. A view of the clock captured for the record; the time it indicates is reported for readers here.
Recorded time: 10:55
